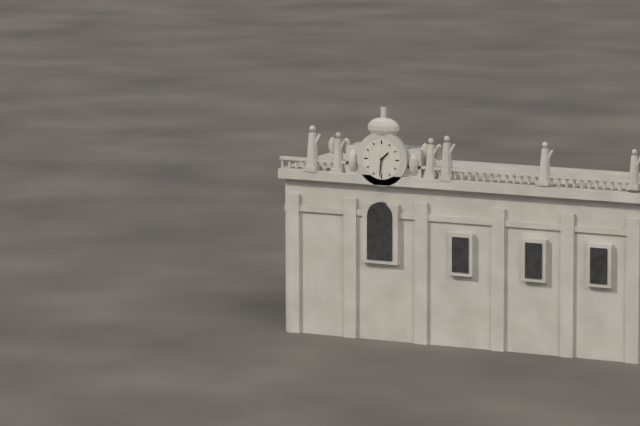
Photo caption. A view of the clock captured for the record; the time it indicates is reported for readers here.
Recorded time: 1:31
